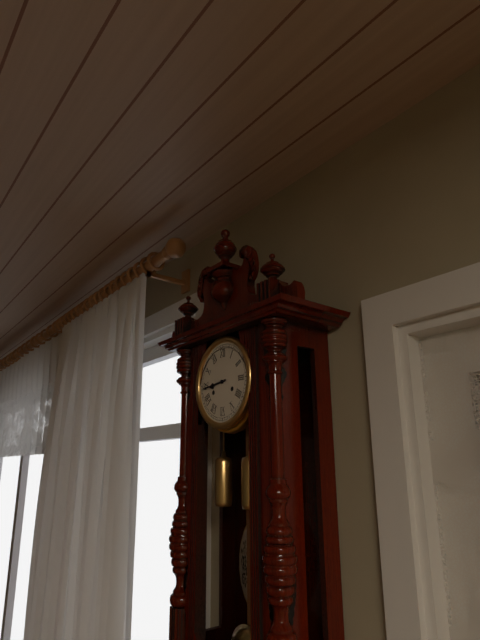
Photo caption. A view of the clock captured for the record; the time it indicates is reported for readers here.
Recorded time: 8:44
